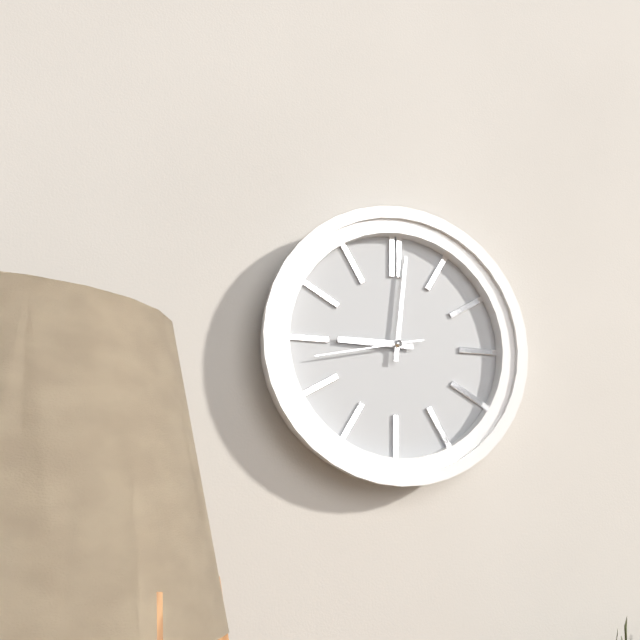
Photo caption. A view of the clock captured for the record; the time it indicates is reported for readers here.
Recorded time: 9:01:43
